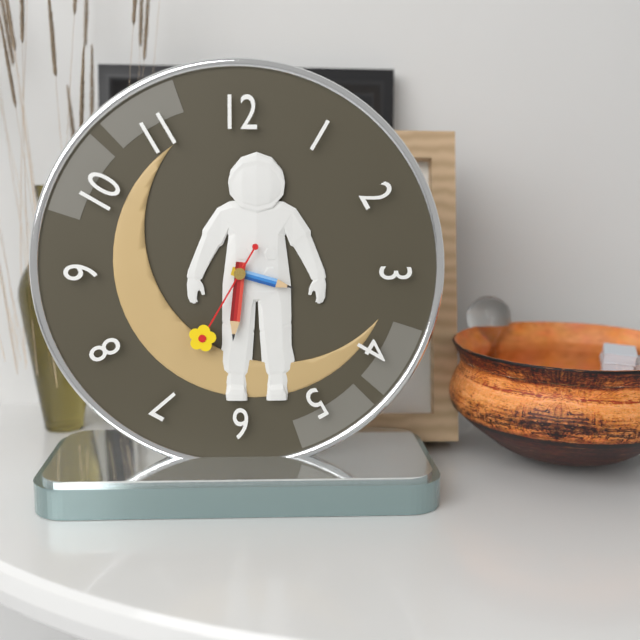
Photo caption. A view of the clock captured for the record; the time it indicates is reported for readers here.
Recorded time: 3:31:35
